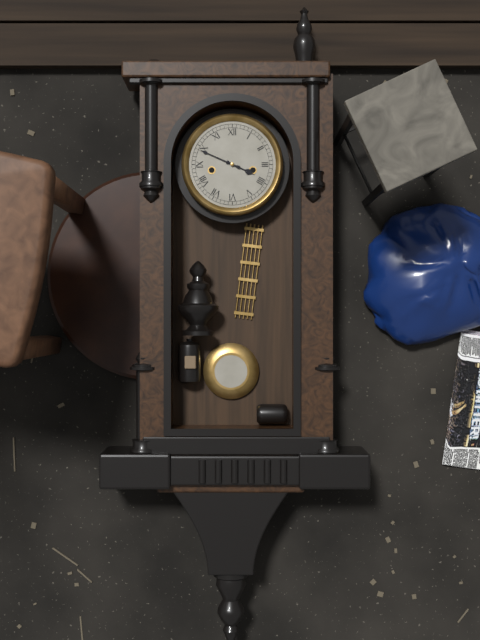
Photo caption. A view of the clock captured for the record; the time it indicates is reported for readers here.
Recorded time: 3:49
